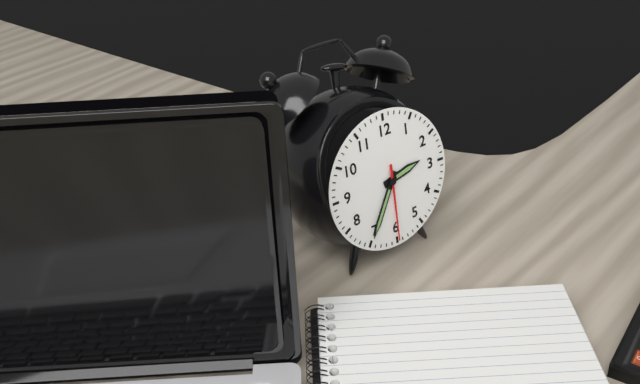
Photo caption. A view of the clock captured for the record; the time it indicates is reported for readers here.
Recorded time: 2:35:30
